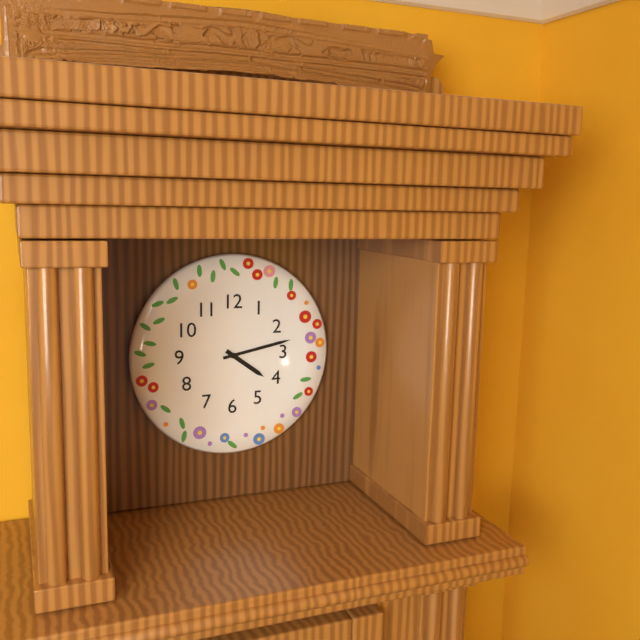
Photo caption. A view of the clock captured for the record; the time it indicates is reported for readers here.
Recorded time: 4:13
